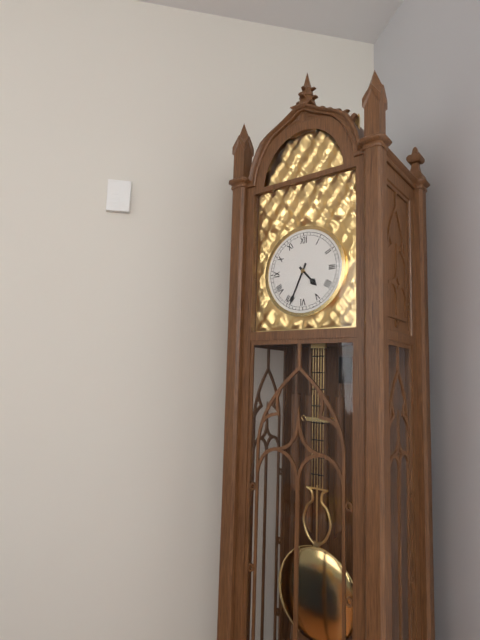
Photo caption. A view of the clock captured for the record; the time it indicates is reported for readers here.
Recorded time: 4:34
